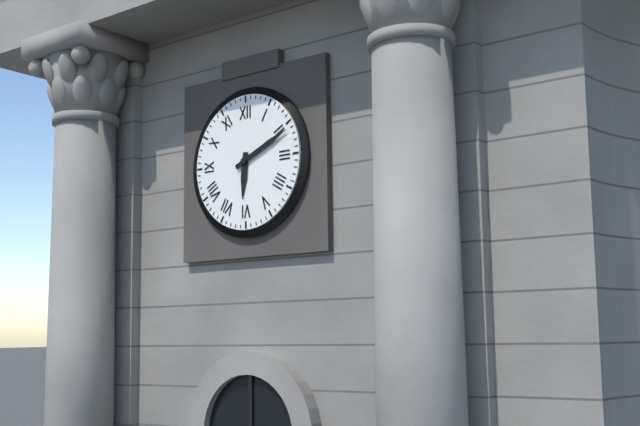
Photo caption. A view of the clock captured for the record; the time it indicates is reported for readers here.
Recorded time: 6:11
